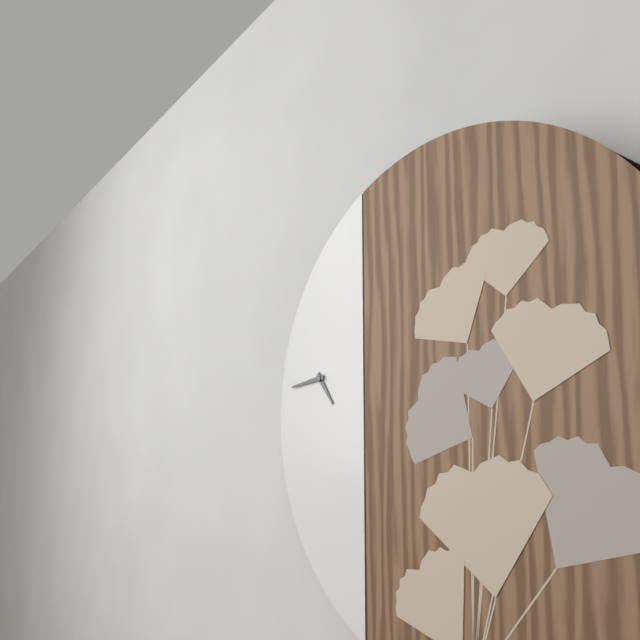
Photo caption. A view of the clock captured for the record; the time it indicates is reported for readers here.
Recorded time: 4:44
